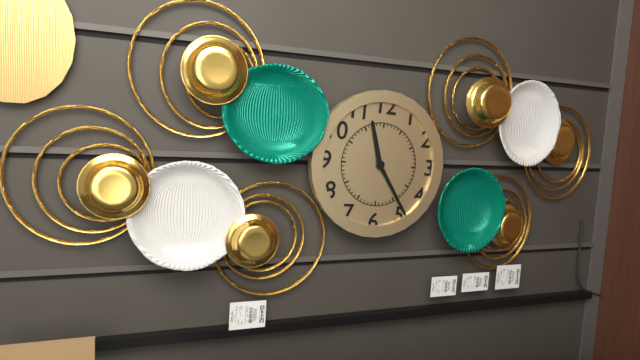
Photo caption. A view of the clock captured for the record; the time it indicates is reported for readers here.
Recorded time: 11:24
